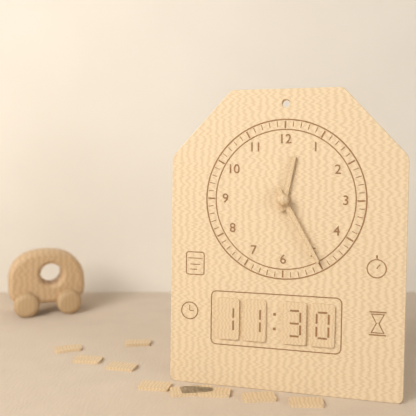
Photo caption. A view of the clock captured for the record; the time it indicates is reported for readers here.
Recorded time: 12:25
